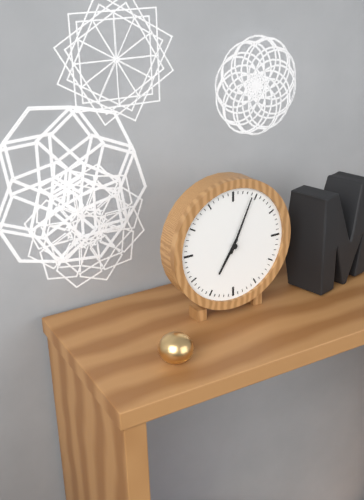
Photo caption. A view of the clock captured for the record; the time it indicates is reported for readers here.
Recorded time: 7:04
